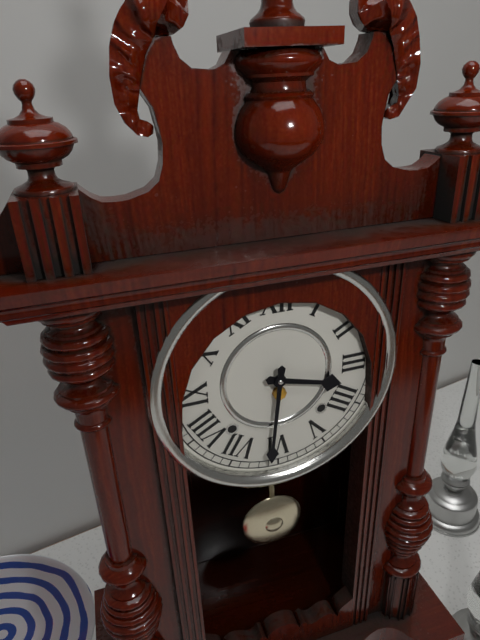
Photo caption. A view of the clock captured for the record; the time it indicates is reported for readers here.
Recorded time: 3:31
